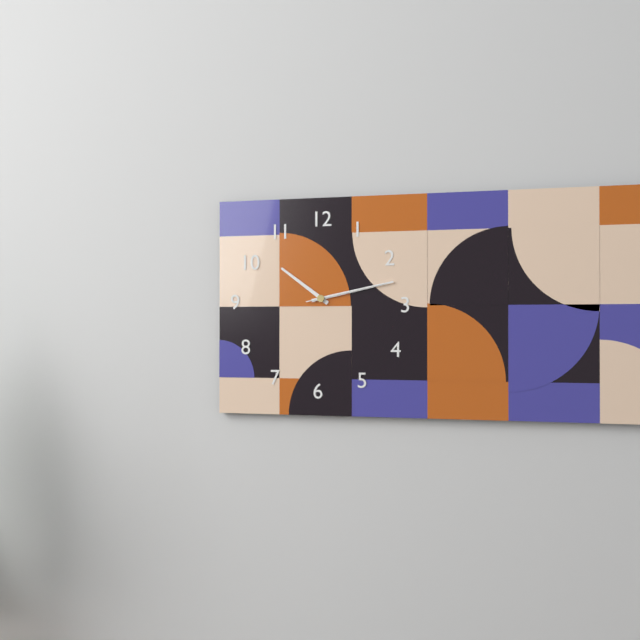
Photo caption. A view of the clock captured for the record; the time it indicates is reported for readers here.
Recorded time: 10:13:13
